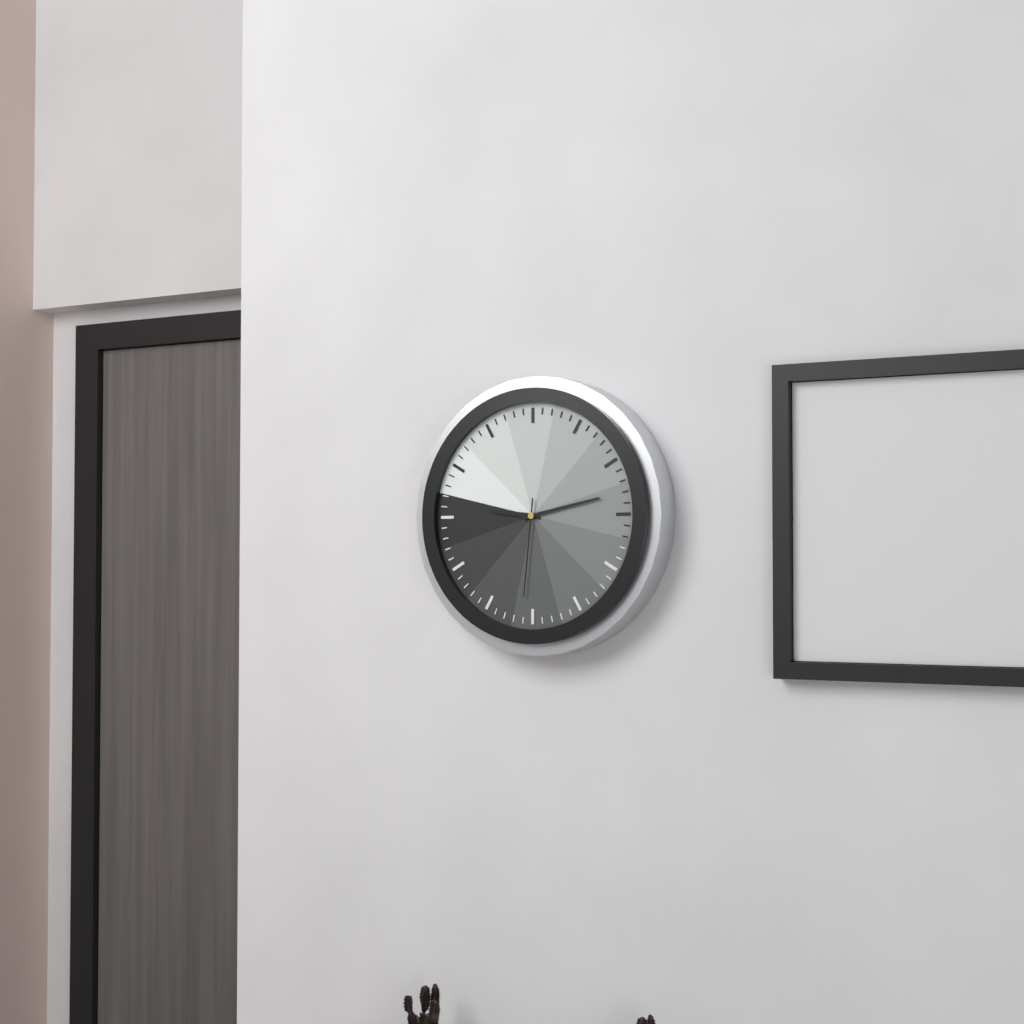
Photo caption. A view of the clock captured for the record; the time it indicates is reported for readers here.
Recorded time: 9:13:31
